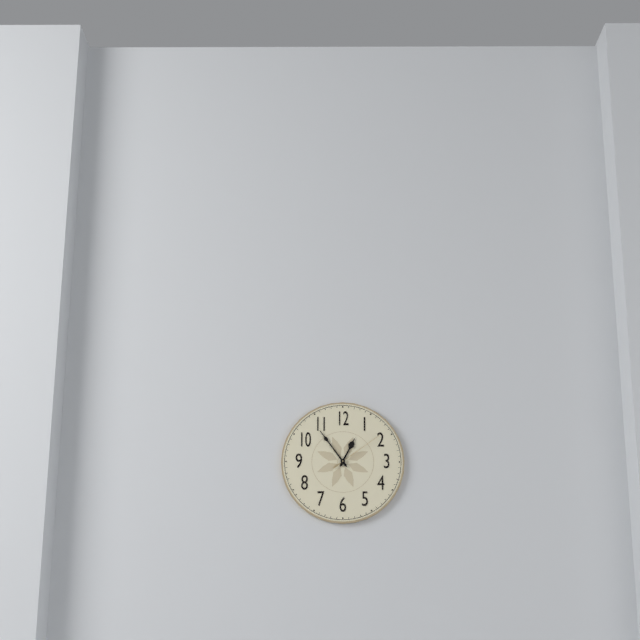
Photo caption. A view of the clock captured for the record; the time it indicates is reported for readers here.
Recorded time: 12:54:09
